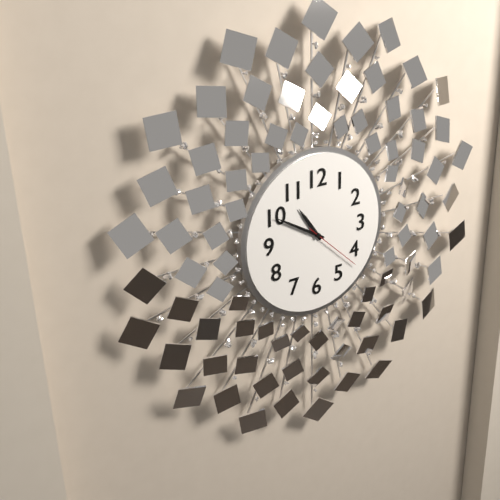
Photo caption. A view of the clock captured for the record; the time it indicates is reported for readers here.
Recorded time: 10:50:22
